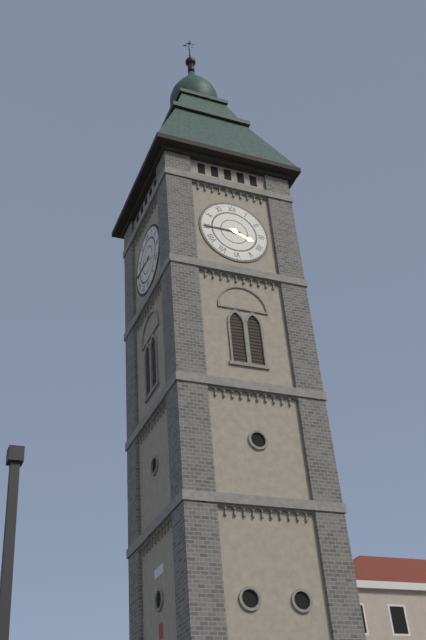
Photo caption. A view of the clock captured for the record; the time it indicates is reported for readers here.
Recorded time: 3:45
